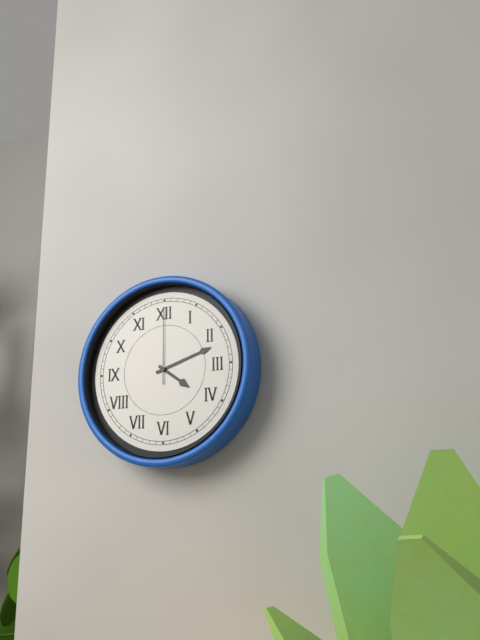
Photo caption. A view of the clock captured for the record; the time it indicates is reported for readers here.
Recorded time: 4:12:00
